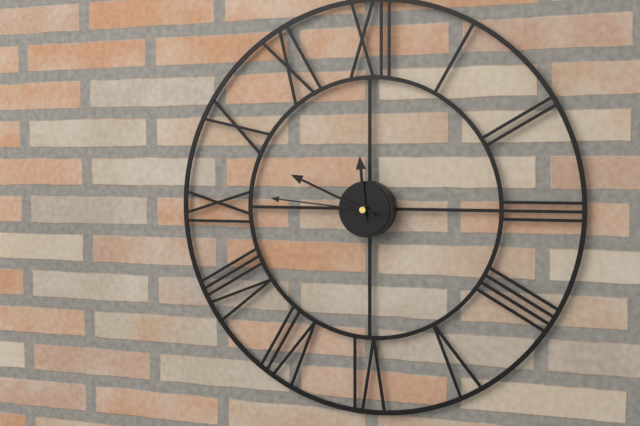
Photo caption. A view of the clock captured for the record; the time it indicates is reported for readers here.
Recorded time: 11:49:46
